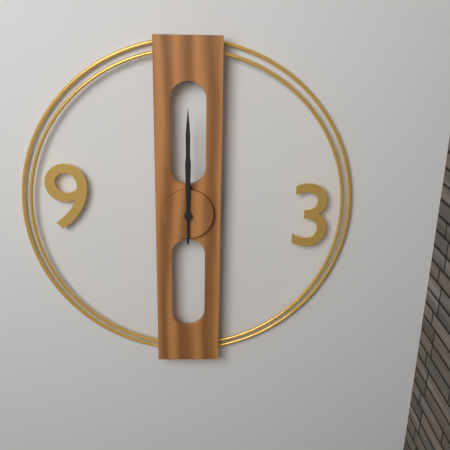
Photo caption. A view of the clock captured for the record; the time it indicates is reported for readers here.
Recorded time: 12:00
